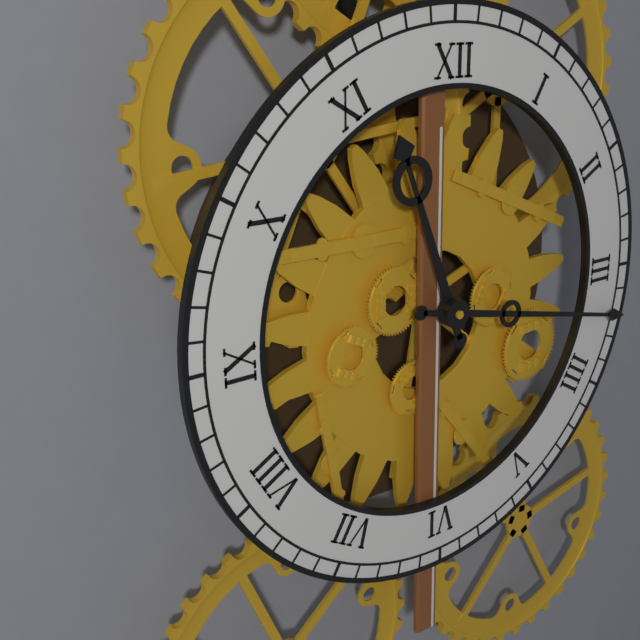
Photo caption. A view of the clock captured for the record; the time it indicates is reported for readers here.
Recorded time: 11:17
